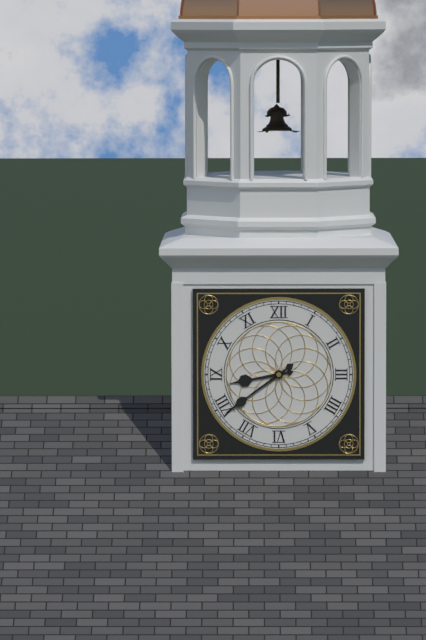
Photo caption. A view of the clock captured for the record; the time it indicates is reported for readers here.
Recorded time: 8:39
